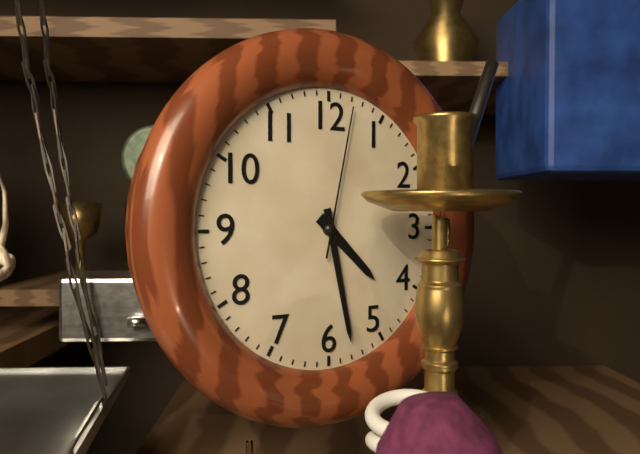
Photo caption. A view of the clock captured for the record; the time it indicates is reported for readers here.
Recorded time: 4:28:02
